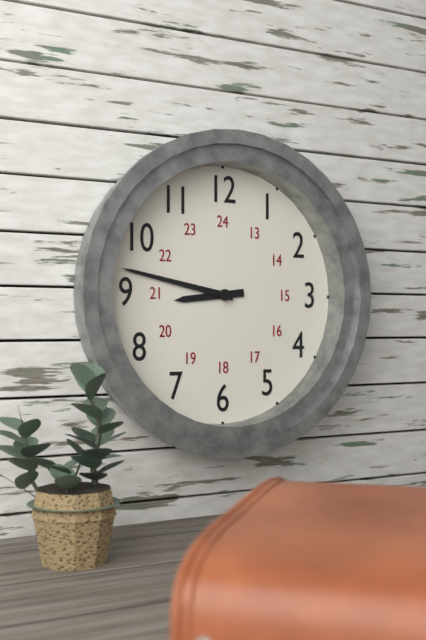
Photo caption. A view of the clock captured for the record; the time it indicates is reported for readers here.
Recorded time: 8:47
